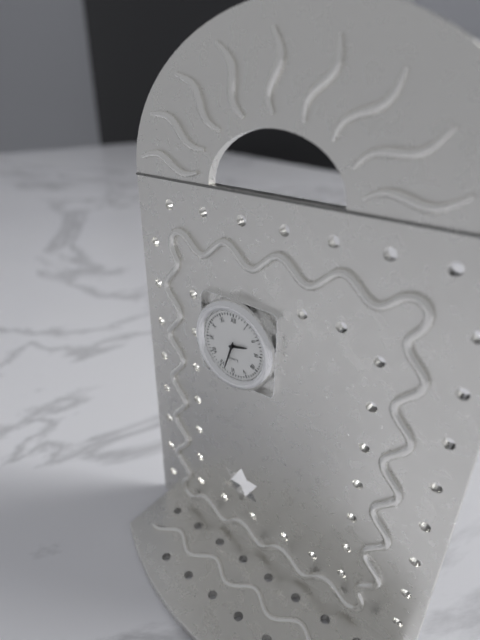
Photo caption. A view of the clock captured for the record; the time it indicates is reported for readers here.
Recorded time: 2:33
